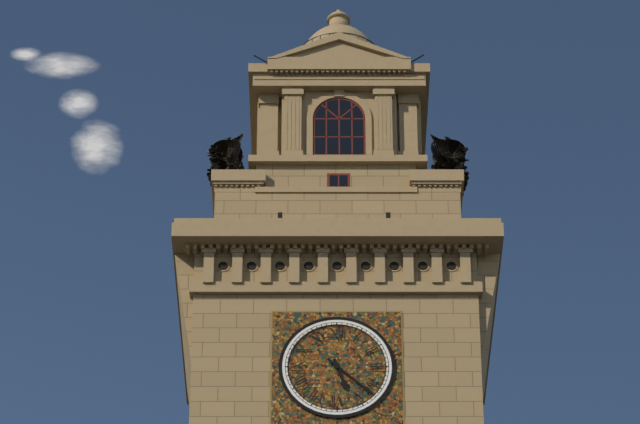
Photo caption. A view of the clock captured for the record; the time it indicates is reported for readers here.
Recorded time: 5:22
